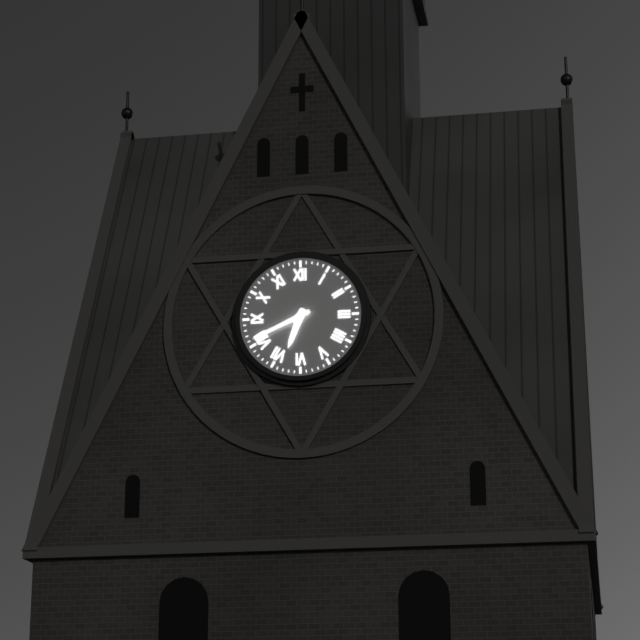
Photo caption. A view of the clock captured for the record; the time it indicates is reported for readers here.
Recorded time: 6:41
